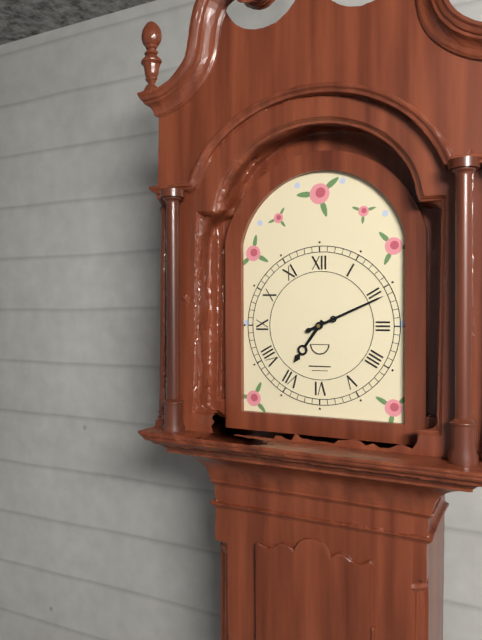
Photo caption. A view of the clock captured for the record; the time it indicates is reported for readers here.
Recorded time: 7:11
